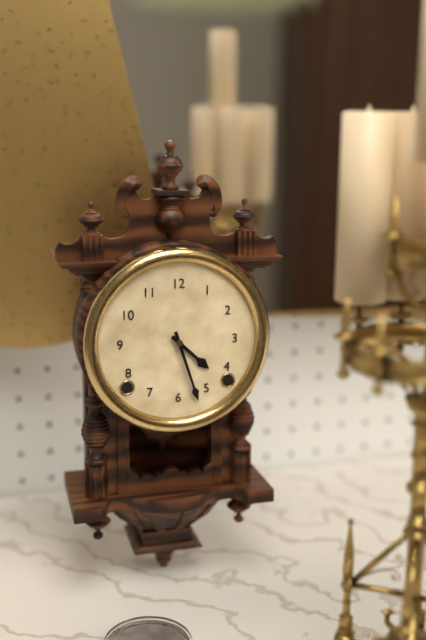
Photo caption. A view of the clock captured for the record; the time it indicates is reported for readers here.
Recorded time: 4:27
